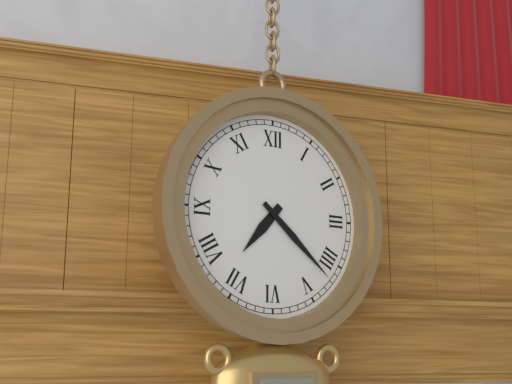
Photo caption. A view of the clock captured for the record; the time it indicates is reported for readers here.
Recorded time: 7:22
